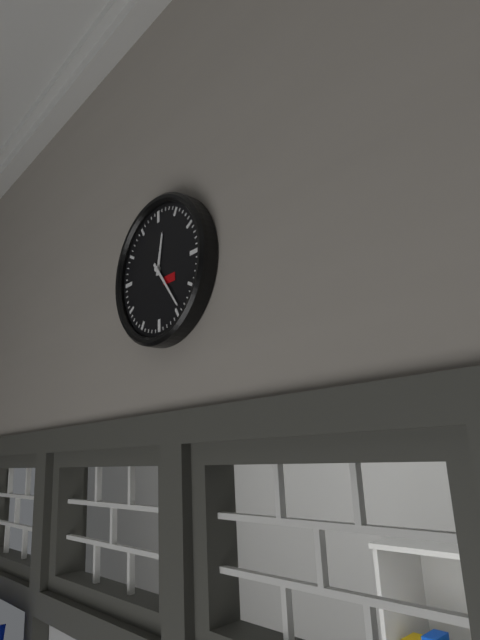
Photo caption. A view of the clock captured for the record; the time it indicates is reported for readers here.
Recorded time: 12:24
